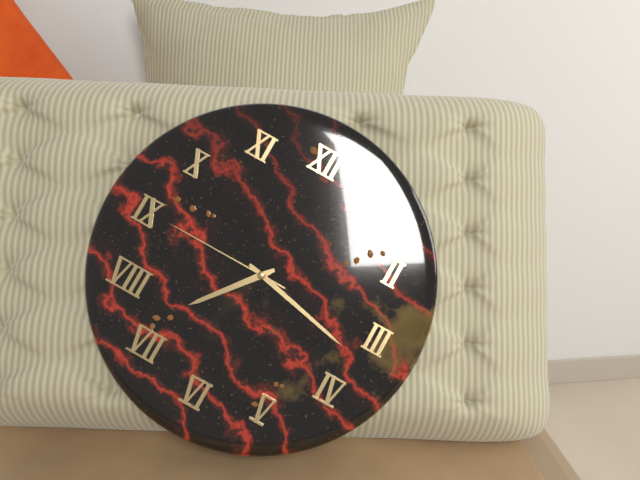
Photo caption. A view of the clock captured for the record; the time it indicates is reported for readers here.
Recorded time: 7:17:45
